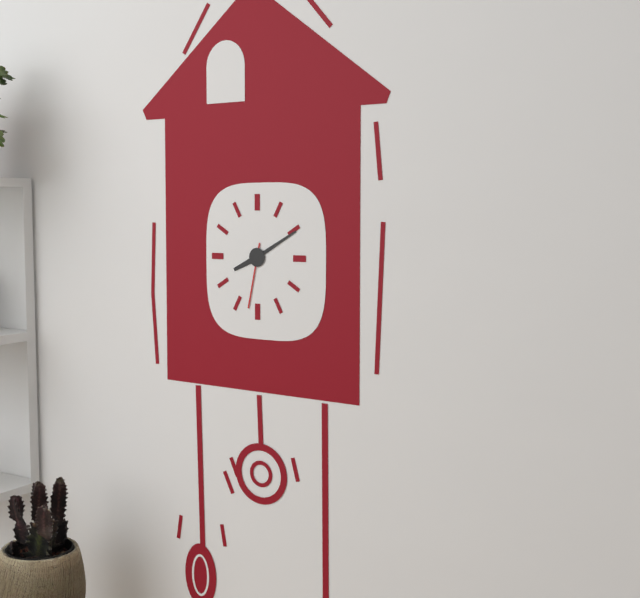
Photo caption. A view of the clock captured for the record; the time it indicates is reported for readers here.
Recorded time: 8:10:32
